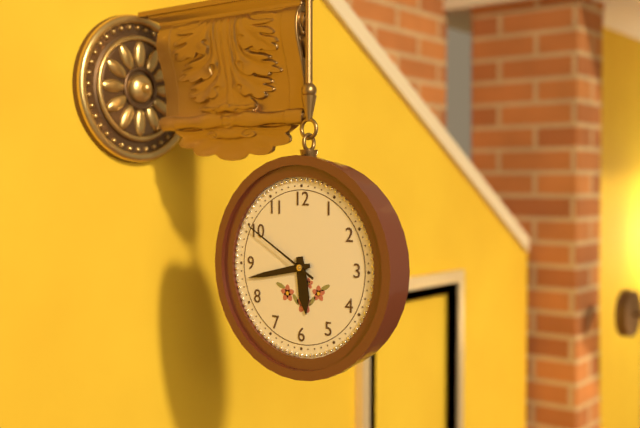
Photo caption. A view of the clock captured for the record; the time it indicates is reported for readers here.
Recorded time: 5:43:50
